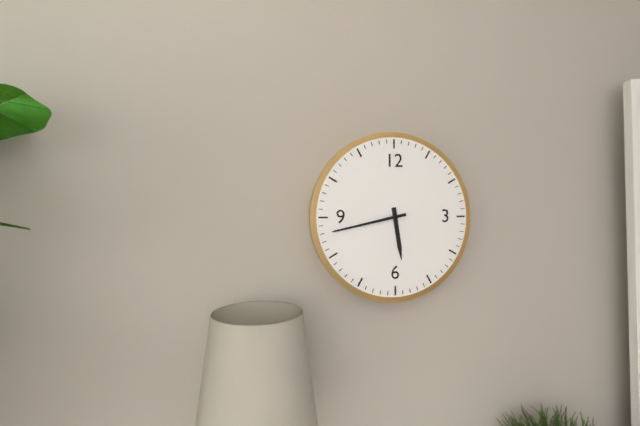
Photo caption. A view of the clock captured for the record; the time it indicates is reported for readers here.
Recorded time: 5:43
